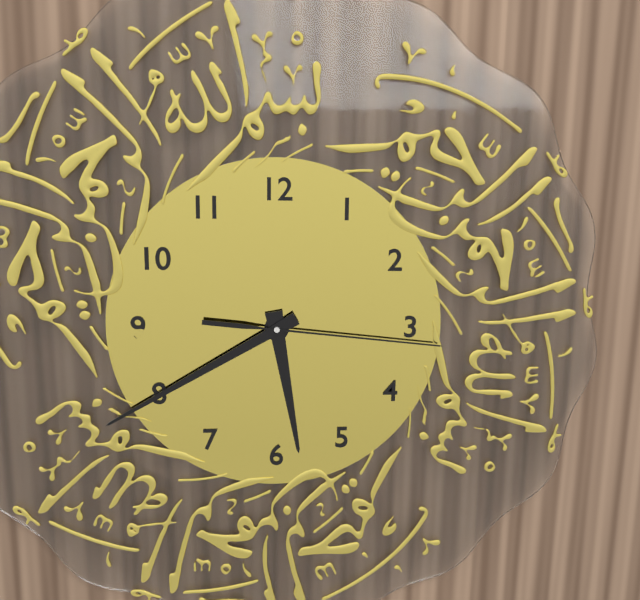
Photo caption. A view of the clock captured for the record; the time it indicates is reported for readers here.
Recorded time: 5:40:16
